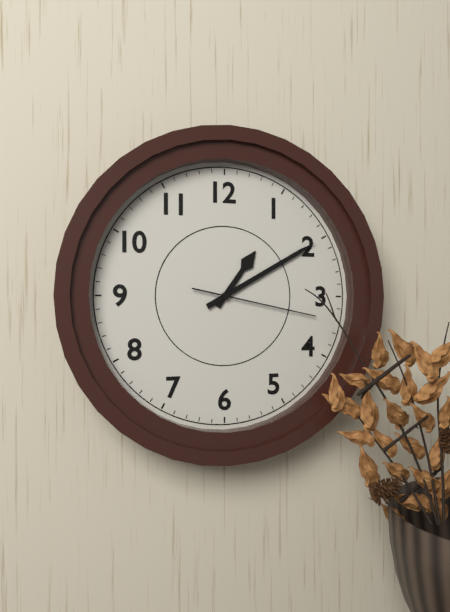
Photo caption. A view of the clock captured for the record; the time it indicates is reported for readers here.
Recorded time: 1:10:17
